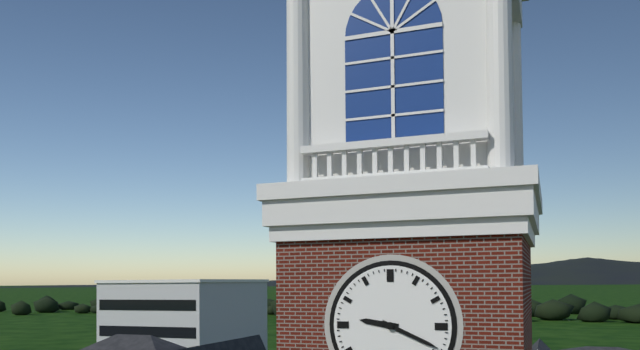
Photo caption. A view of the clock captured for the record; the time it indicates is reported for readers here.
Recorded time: 9:19
